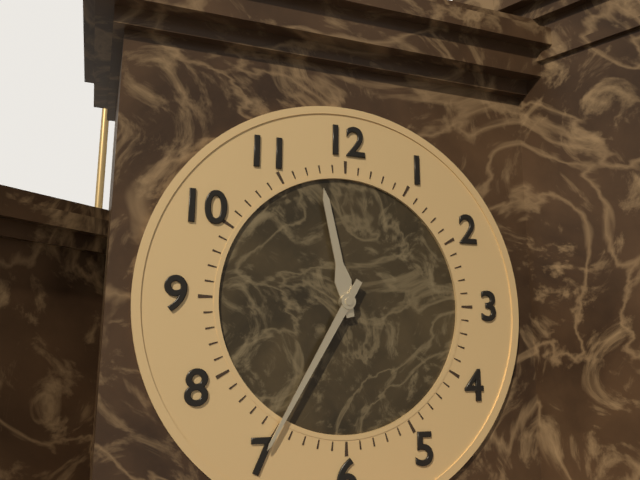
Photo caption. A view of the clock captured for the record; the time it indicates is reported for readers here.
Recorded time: 11:35
